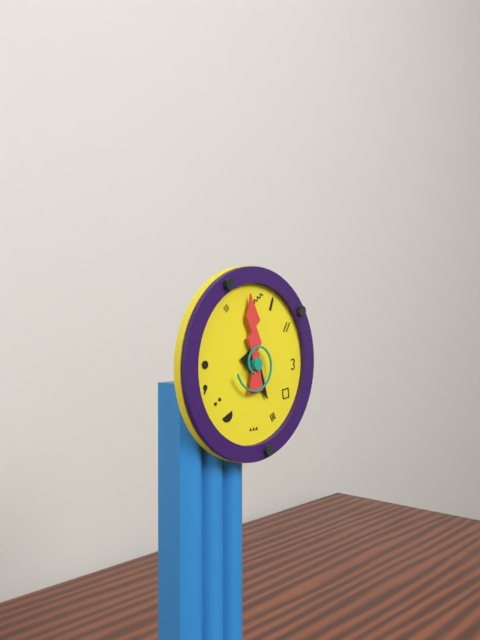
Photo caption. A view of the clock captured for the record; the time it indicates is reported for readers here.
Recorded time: 4:59
